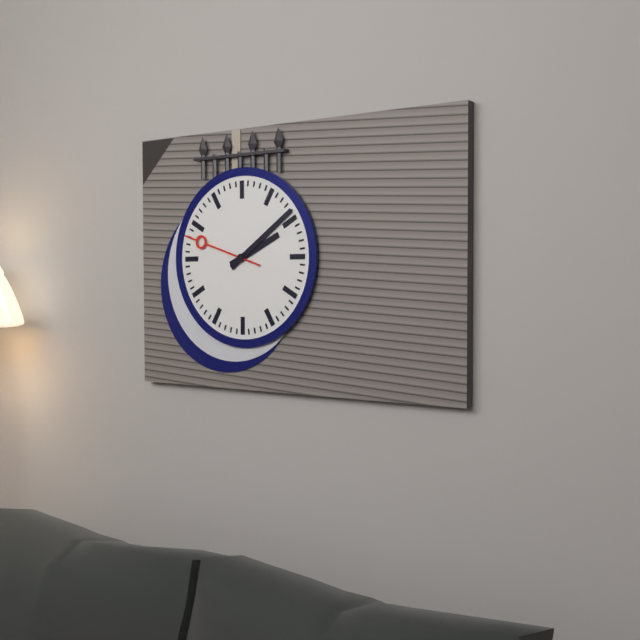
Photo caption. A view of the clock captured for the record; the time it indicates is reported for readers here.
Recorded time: 2:09:48
